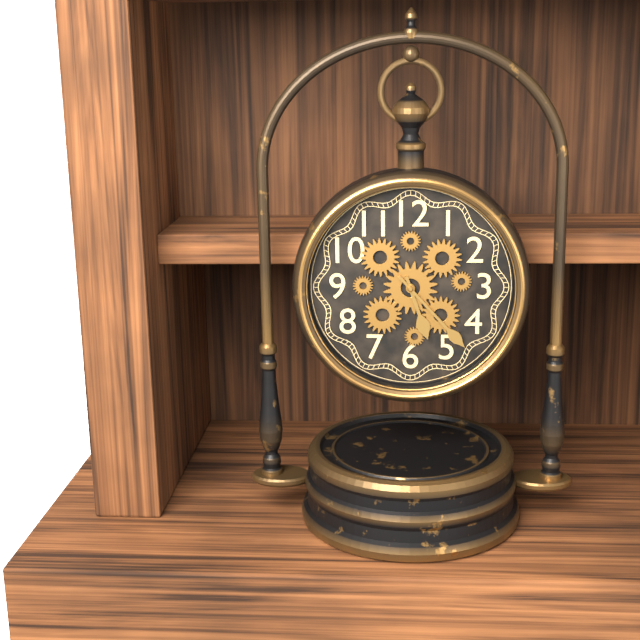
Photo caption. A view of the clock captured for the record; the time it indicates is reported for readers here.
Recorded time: 5:23
